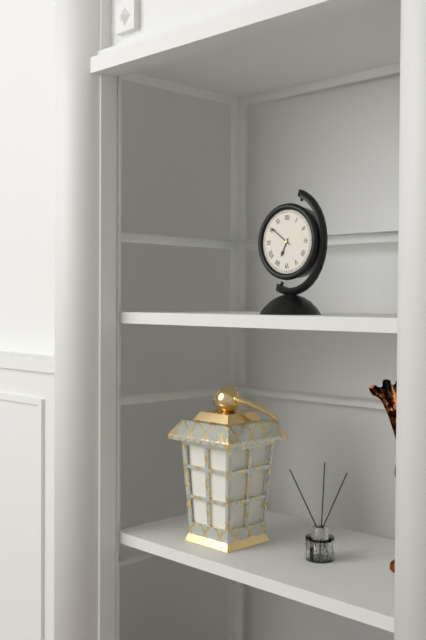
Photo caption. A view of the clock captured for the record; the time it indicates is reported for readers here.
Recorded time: 6:51
